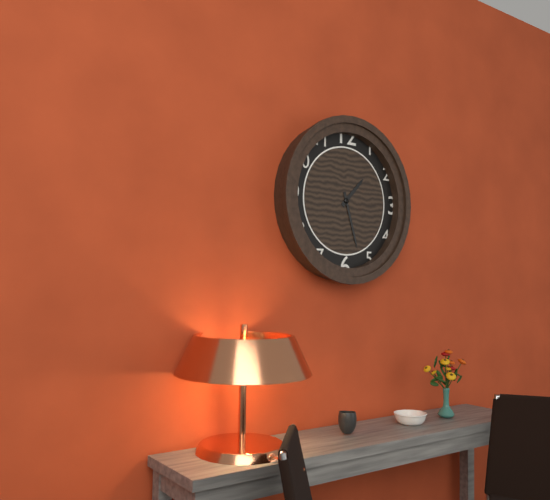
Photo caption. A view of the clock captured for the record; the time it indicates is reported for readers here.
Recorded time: 1:27
